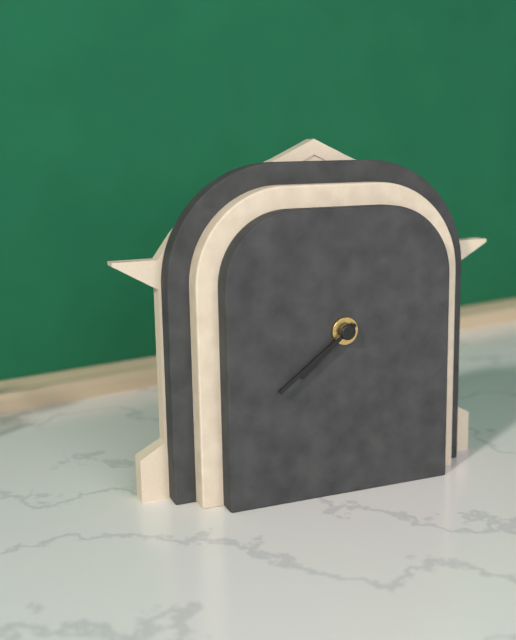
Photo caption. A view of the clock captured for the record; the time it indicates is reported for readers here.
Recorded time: 7:39
